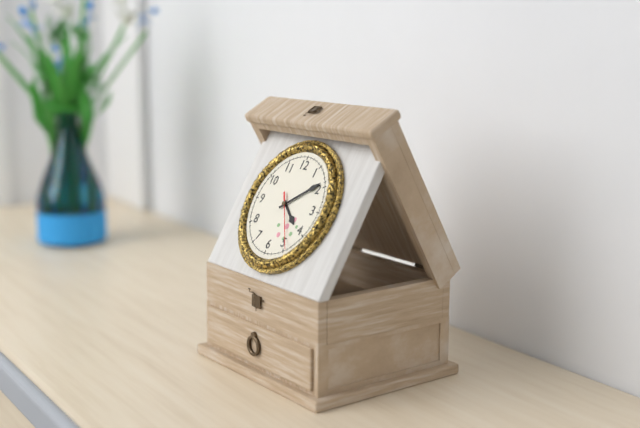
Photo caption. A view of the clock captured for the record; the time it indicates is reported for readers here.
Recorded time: 4:09:24
